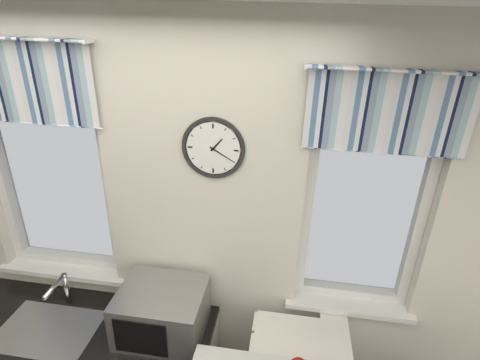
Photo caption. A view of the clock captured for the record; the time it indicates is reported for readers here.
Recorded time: 1:20
